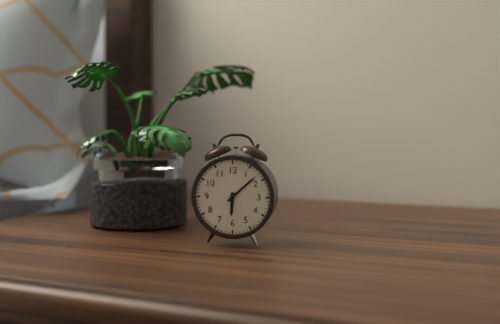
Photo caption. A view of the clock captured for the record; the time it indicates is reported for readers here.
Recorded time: 6:08
